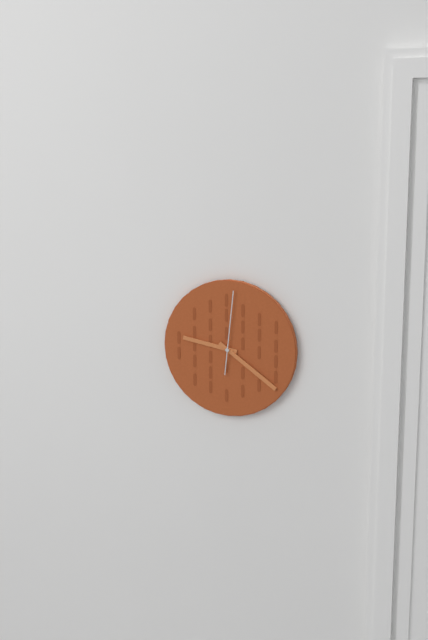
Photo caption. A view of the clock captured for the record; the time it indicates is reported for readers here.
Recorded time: 9:21:01
